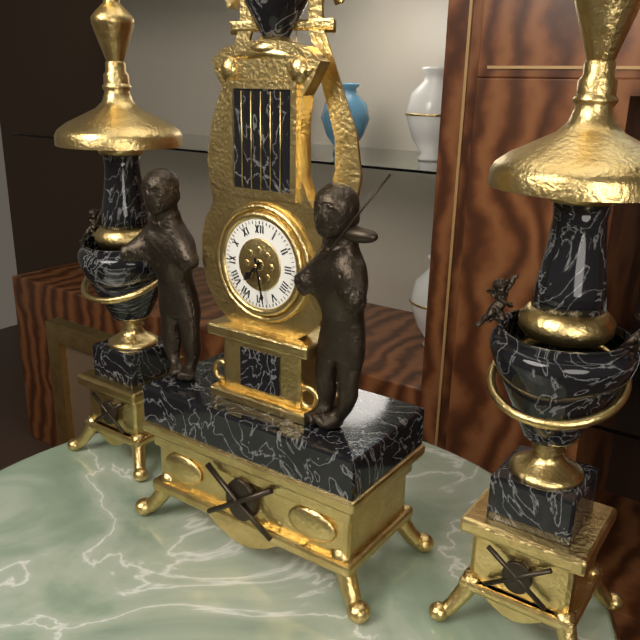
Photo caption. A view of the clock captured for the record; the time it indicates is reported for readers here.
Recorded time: 7:28
